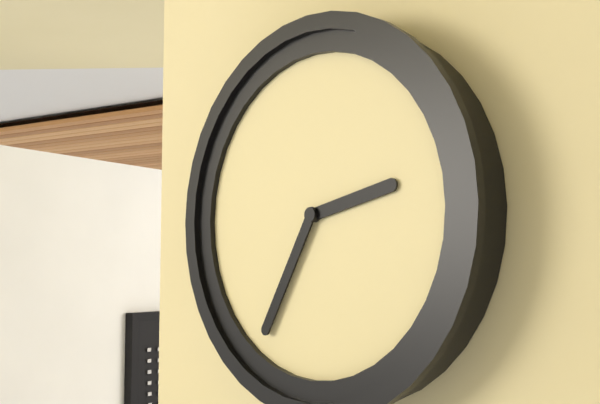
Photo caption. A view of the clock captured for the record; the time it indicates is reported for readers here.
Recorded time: 2:35
